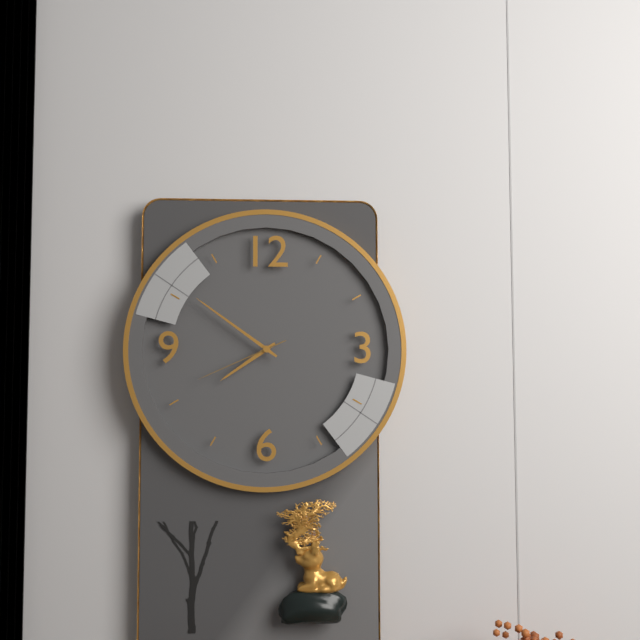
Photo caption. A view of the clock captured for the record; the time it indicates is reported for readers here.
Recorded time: 7:51:41
